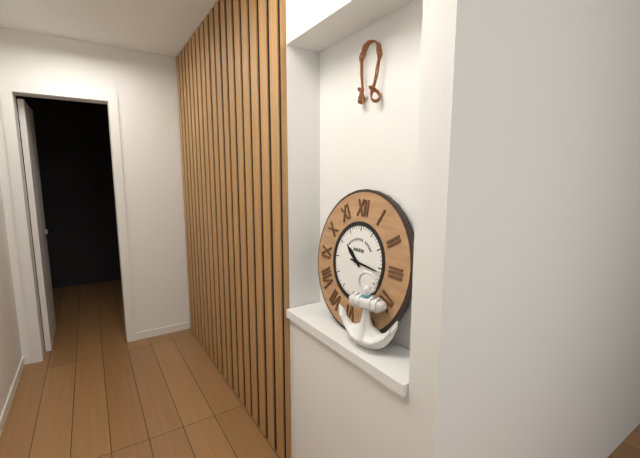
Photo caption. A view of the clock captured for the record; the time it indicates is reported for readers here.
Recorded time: 10:16
